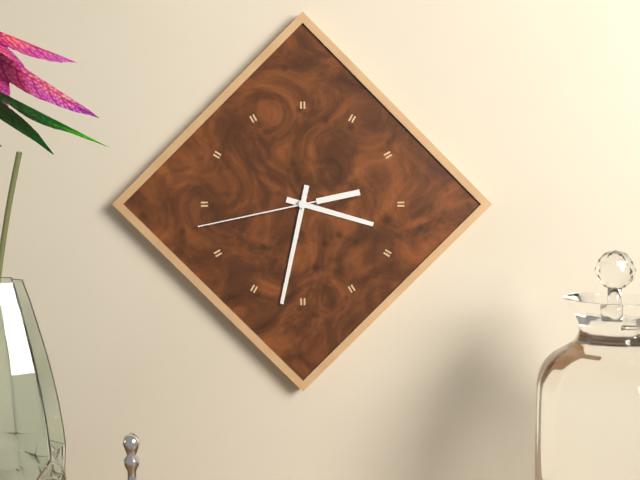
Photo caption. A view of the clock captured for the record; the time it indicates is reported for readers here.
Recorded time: 3:32:43
